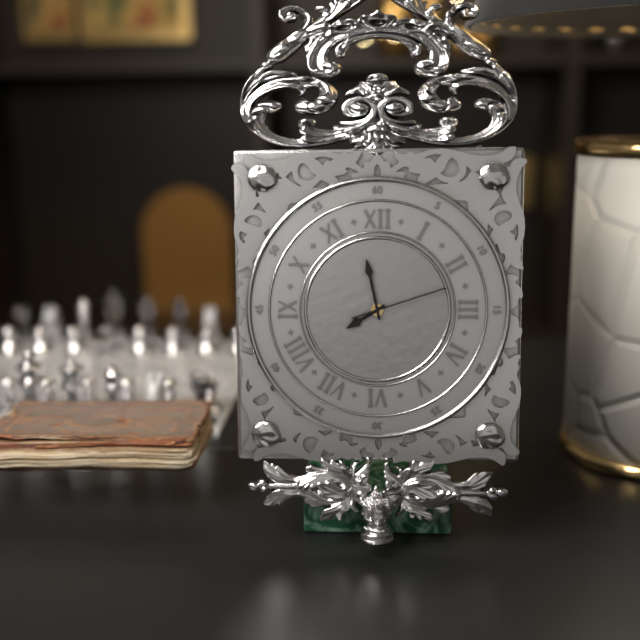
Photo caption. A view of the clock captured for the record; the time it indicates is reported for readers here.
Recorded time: 7:58:12
